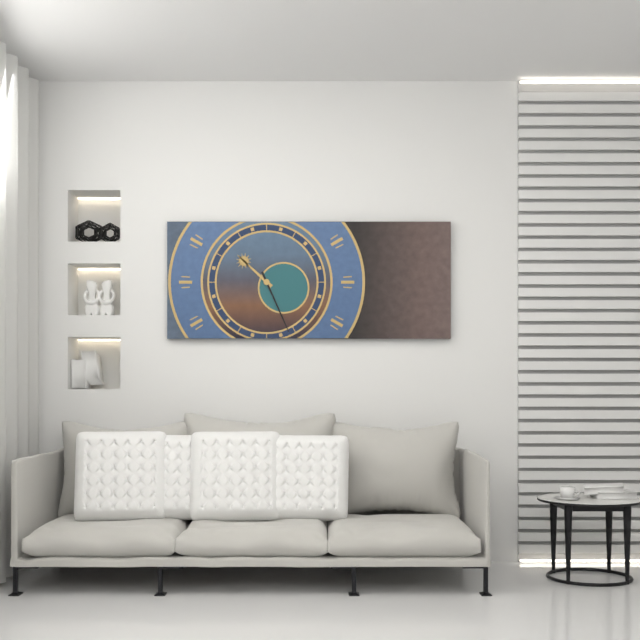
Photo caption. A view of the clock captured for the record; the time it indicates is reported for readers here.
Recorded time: 10:26
